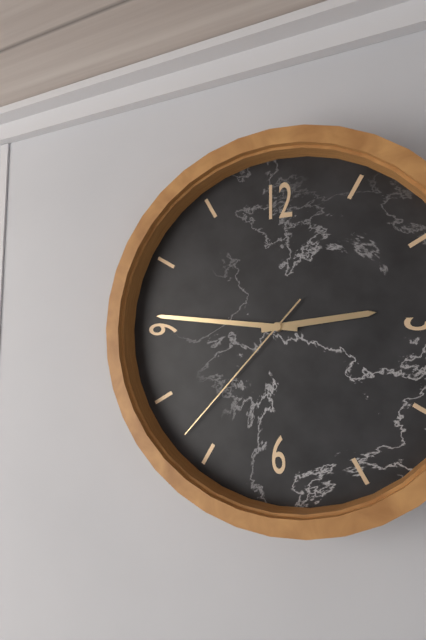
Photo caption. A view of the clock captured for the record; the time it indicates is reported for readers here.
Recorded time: 2:46:37
